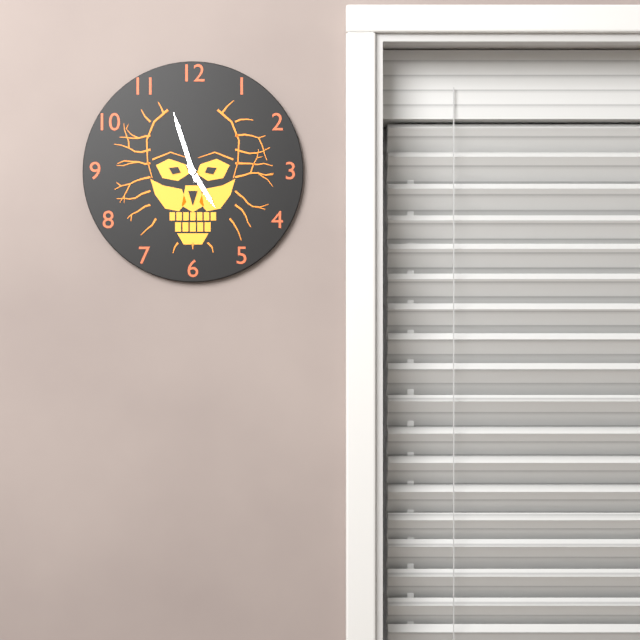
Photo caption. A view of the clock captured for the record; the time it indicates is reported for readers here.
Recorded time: 4:57
